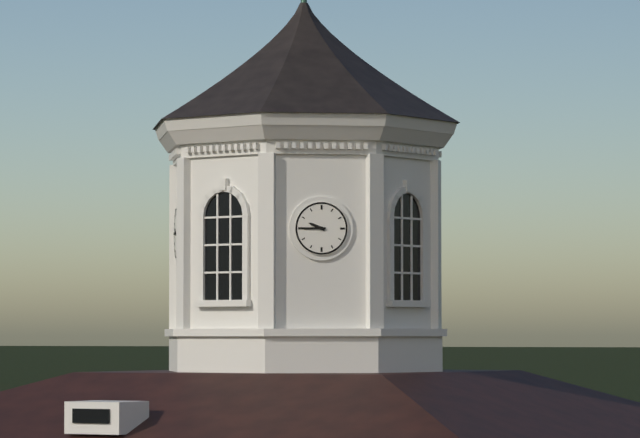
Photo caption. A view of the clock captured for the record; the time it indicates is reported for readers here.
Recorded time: 9:45
